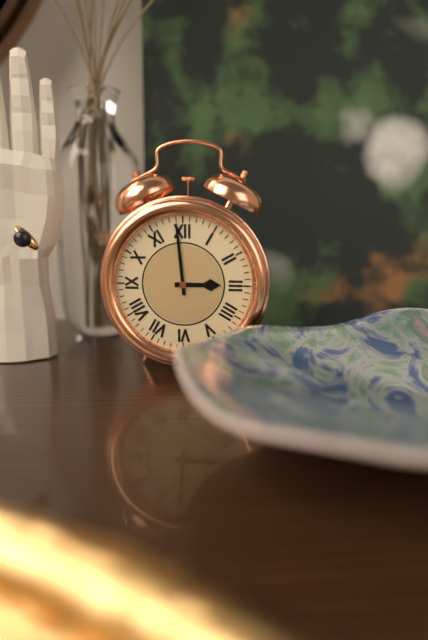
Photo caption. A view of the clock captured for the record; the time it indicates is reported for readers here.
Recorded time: 2:59
